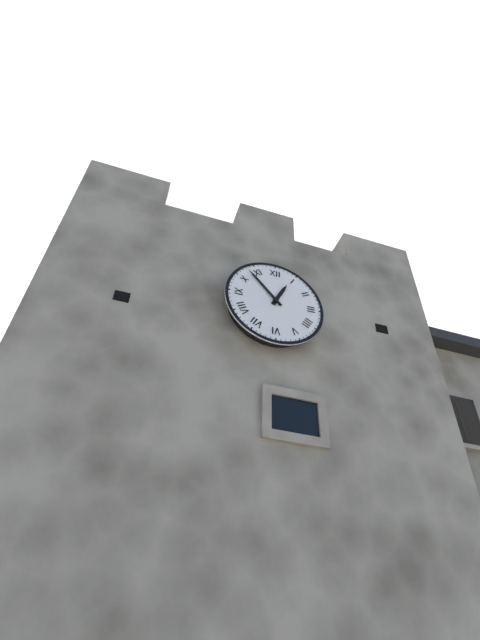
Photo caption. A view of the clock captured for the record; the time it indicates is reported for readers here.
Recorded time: 12:53
